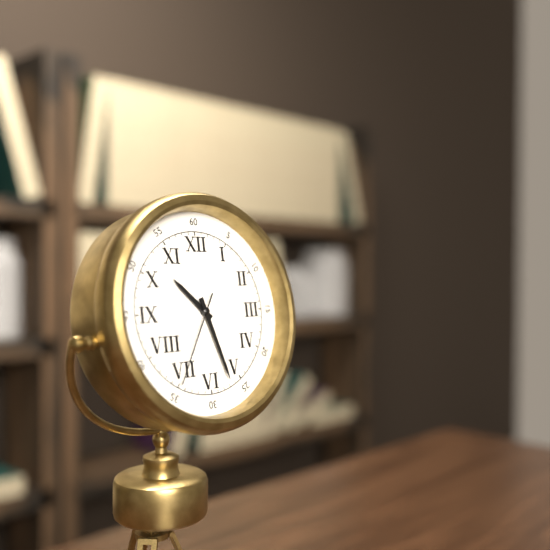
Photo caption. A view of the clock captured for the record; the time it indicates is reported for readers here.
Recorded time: 10:27:35
